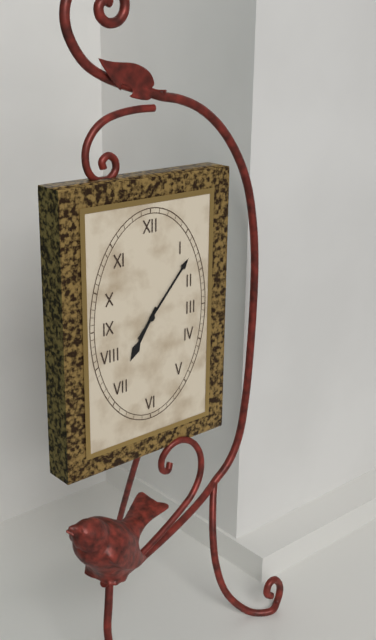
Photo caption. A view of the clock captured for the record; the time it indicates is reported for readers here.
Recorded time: 7:07
